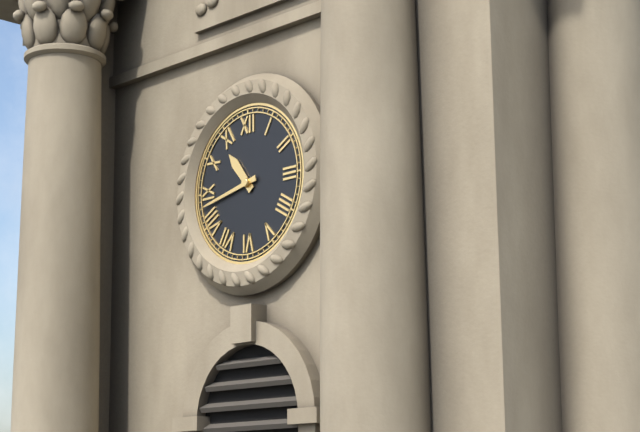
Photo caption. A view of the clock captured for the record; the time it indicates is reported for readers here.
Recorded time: 10:43
